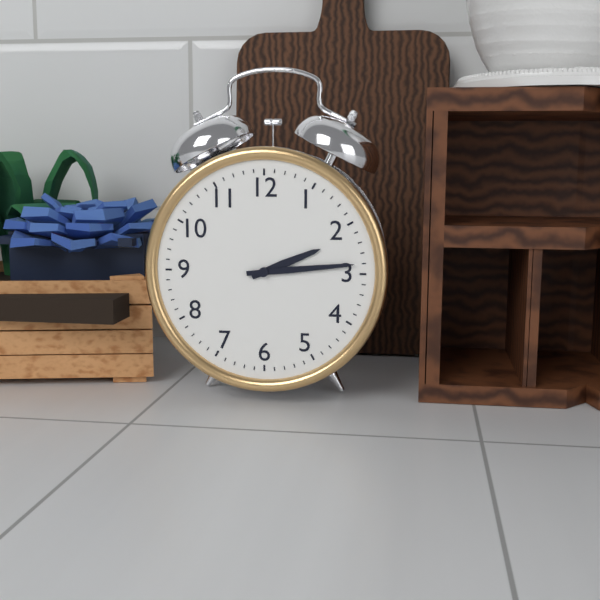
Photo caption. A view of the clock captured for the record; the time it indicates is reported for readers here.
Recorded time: 2:14
